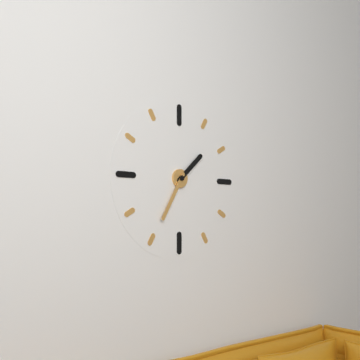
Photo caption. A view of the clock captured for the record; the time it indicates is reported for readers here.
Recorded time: 1:35
